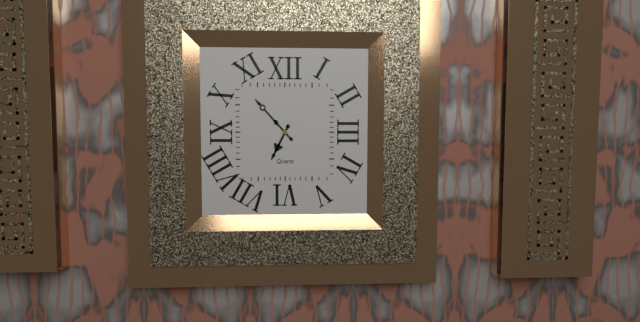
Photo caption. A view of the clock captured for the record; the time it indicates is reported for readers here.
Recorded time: 6:53
